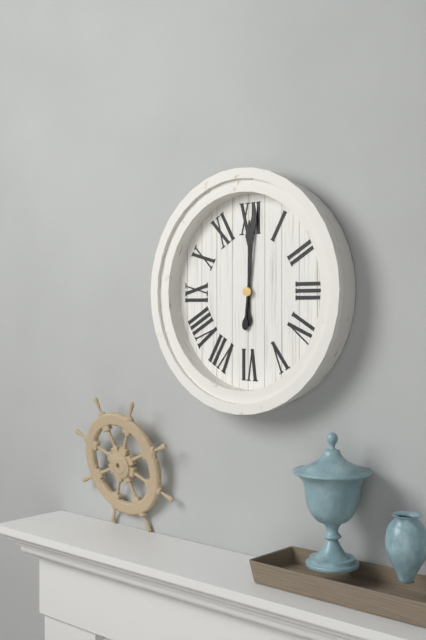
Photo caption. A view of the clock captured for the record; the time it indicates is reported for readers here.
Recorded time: 12:01
